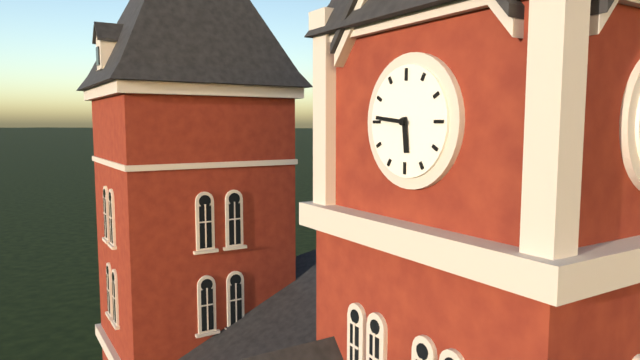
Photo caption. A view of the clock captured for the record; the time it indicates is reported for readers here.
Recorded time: 5:46
